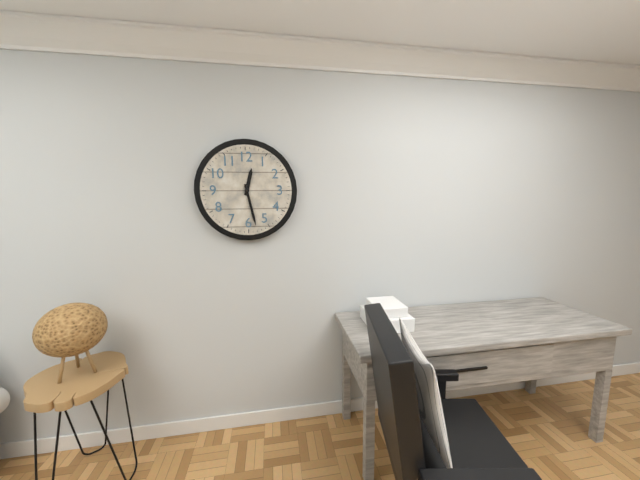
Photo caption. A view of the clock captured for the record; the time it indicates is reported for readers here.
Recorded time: 12:28
